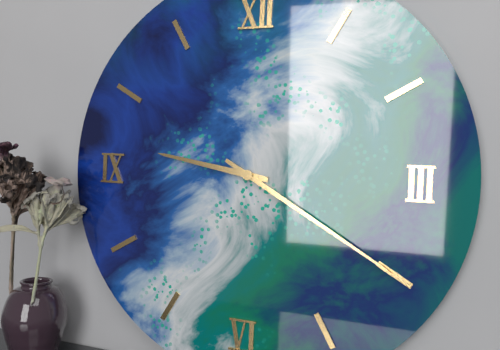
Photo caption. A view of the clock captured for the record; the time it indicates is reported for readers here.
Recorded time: 9:20
